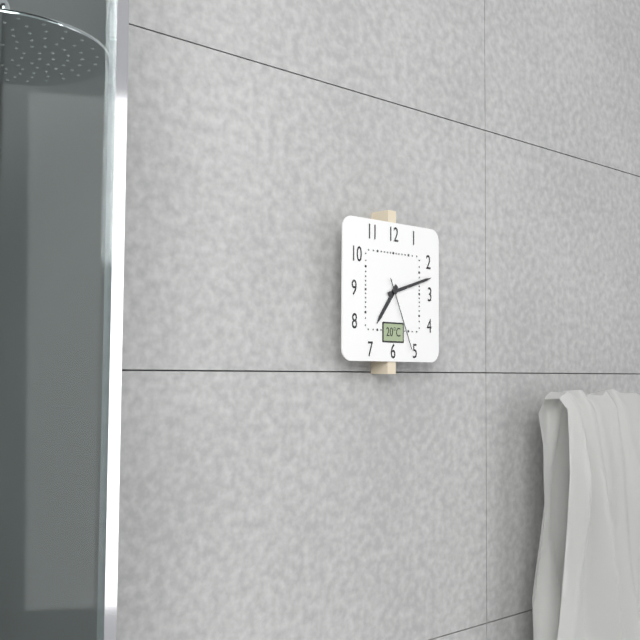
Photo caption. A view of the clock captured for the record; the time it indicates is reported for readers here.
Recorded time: 7:12:26
